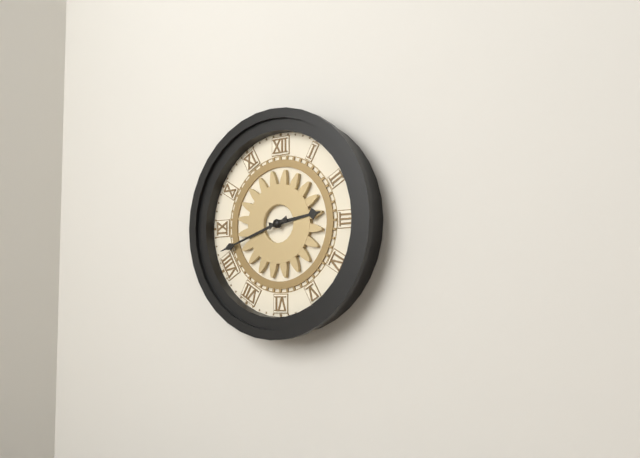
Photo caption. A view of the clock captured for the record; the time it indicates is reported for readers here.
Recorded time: 2:42
